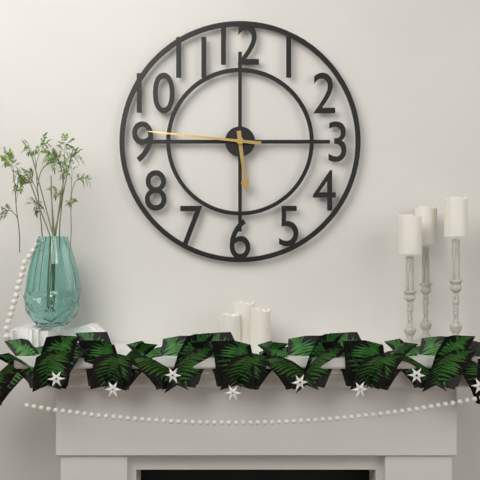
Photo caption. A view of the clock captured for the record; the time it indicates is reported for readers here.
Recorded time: 5:46
